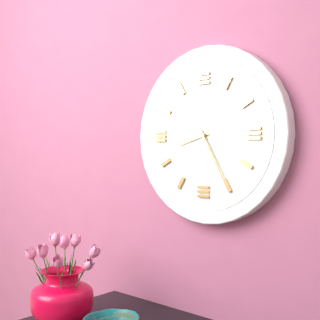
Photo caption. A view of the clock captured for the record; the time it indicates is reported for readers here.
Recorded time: 8:25
